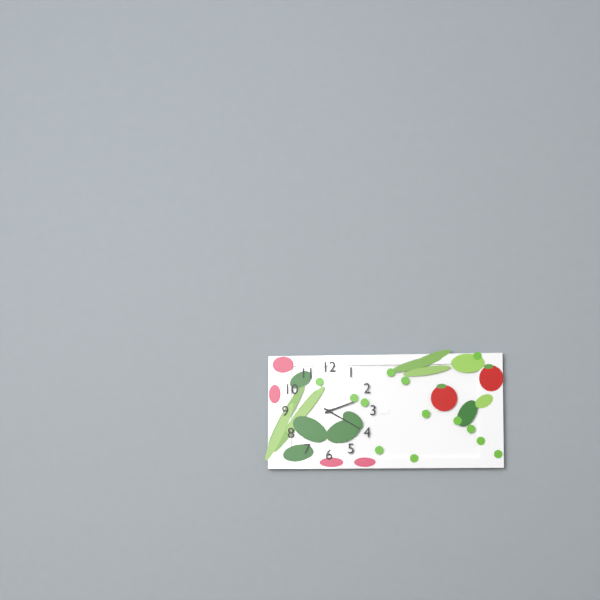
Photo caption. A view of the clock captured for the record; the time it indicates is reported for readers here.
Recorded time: 2:20
